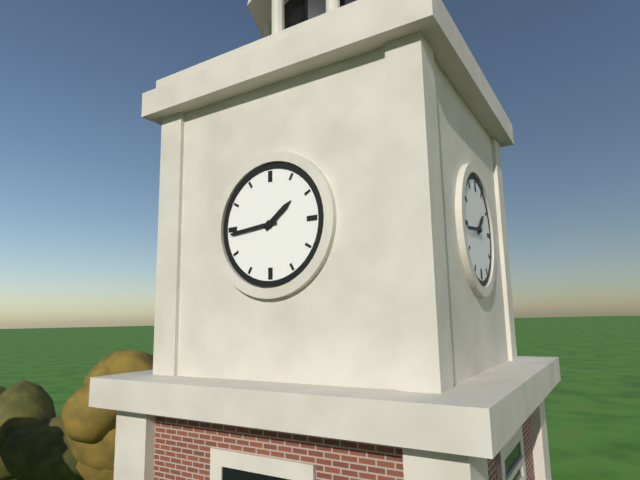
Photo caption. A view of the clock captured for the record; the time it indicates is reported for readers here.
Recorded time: 1:44
